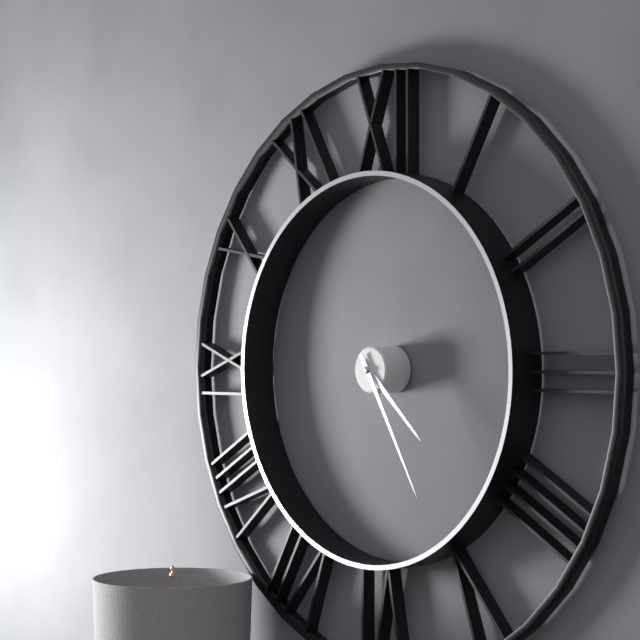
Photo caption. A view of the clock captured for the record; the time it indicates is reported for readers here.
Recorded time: 4:25
